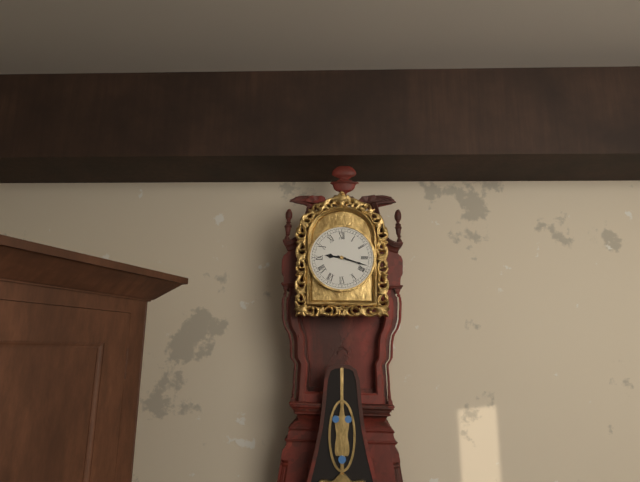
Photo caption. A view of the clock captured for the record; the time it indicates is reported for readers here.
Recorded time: 9:18
